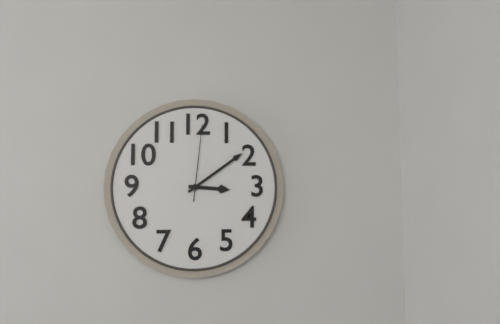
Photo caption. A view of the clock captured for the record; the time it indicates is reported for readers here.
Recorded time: 3:09:01
